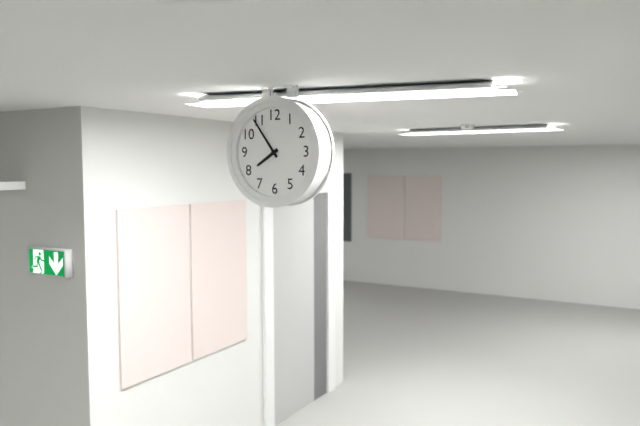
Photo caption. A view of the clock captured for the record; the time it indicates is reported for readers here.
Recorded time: 7:54
